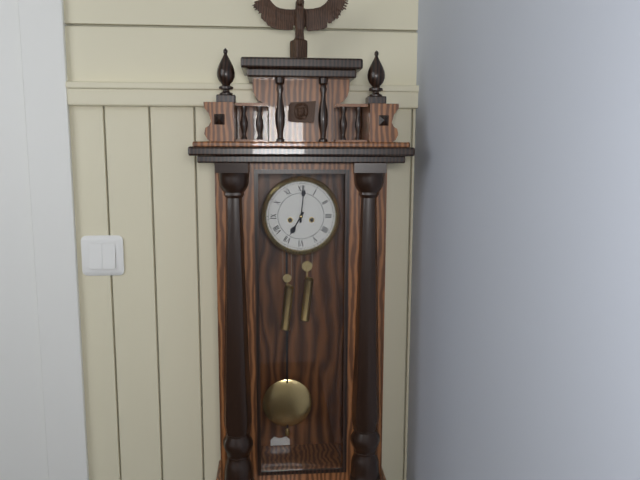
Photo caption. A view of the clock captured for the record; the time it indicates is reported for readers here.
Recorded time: 7:01
